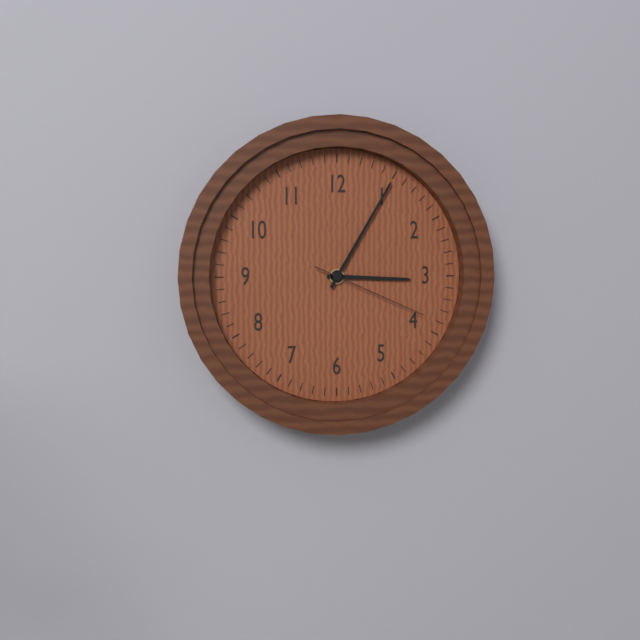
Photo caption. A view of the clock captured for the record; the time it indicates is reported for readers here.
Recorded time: 3:05:19
